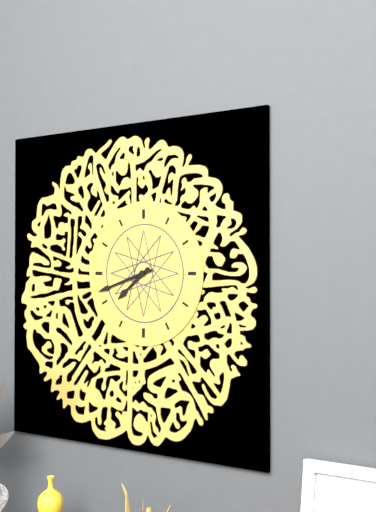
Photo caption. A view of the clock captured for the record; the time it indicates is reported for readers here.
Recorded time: 7:42
